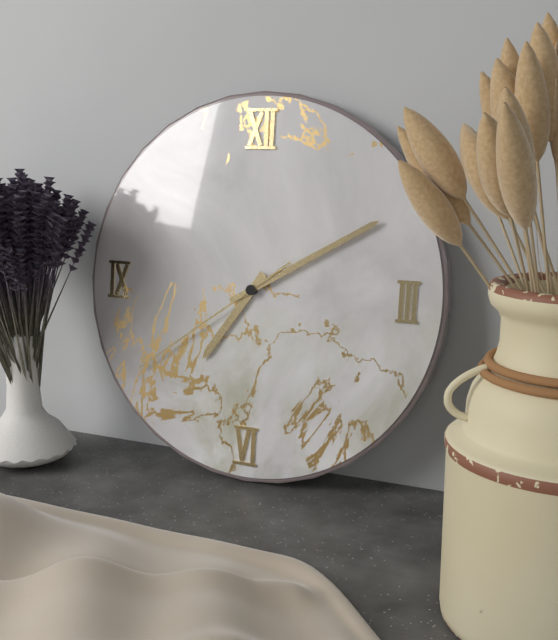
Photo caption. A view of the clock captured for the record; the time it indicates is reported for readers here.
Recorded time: 7:10:39
